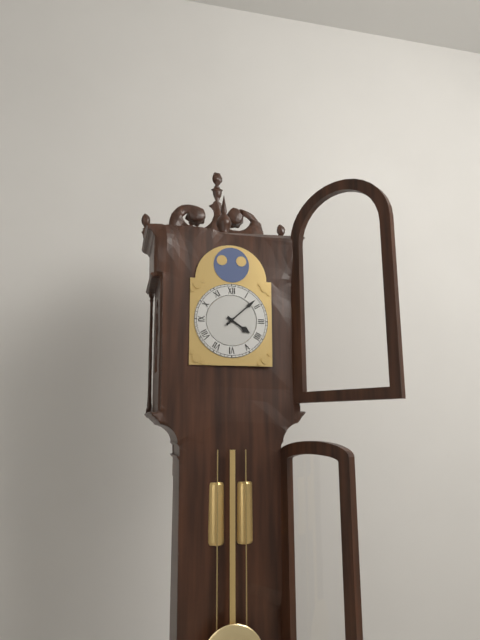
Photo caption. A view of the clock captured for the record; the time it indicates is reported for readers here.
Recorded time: 4:08
